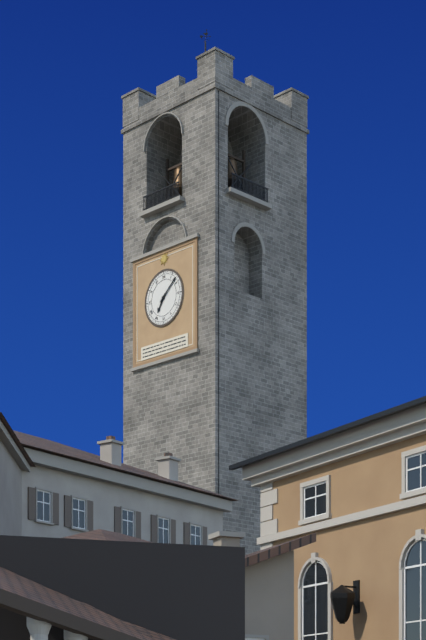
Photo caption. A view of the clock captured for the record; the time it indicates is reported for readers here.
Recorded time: 7:08
